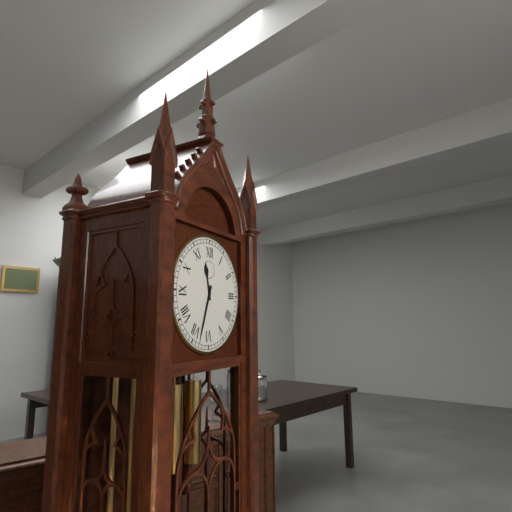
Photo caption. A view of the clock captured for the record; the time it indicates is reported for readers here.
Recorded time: 11:33
